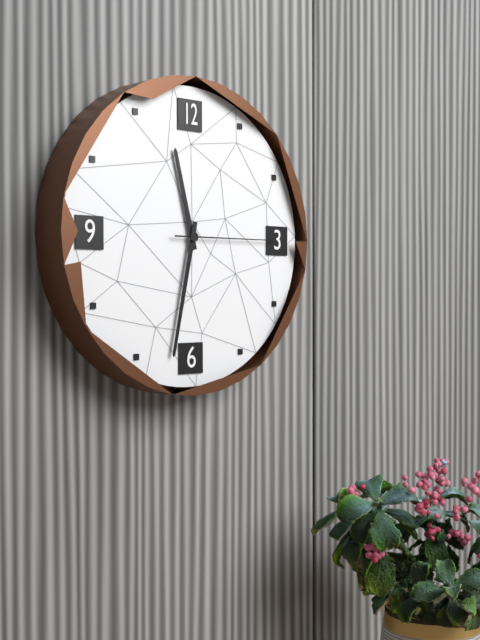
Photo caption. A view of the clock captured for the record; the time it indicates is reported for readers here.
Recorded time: 11:32:15
